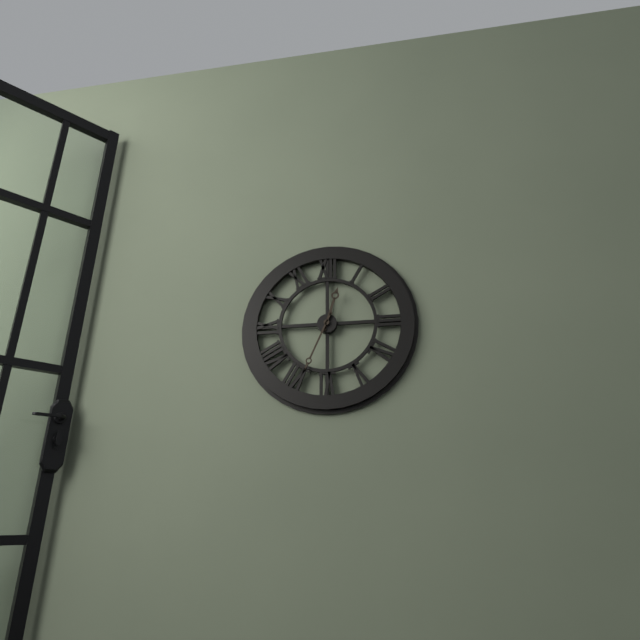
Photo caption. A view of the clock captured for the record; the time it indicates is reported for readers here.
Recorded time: 12:34
